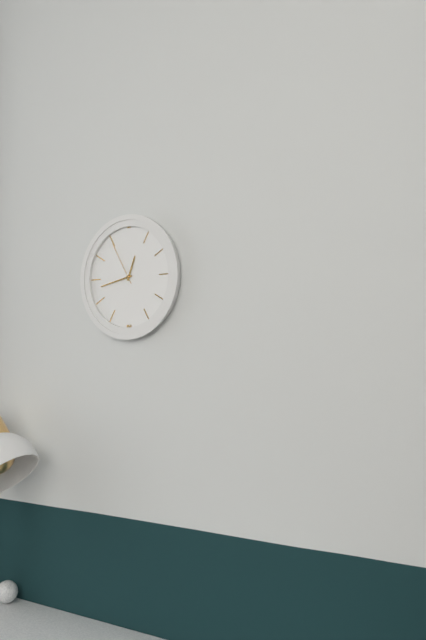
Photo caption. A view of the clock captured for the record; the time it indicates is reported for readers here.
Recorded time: 12:43
